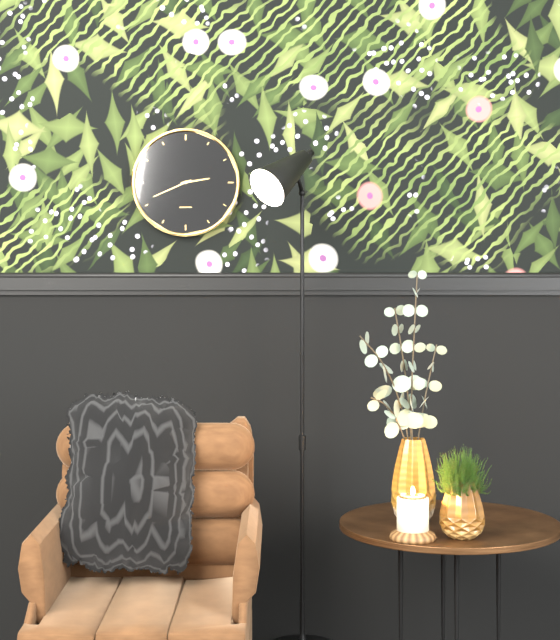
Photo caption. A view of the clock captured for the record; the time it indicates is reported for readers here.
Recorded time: 2:41
